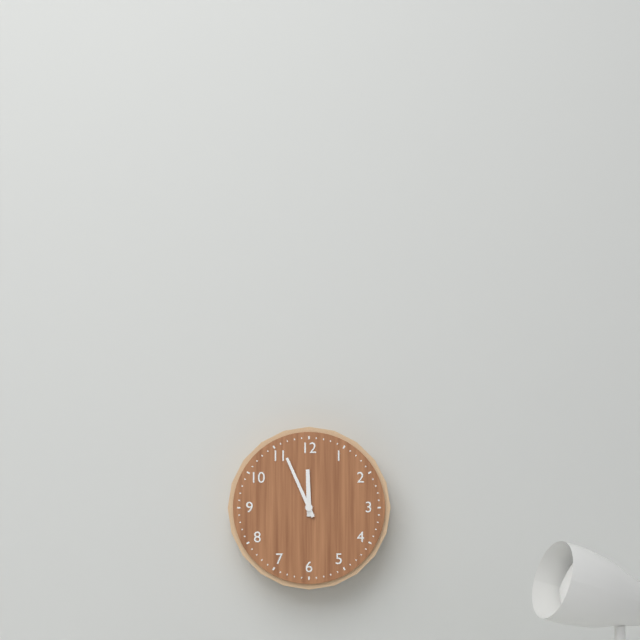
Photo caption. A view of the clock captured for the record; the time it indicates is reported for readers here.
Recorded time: 11:56
